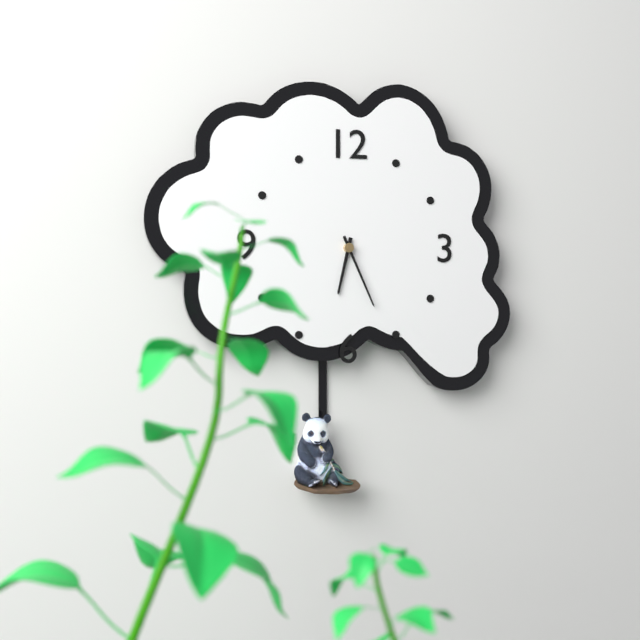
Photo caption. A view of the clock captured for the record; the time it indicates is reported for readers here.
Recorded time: 6:26
